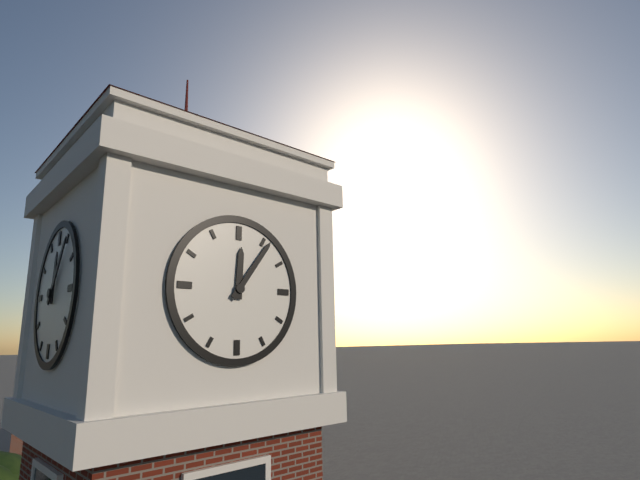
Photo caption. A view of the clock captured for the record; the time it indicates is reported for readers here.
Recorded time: 12:06
